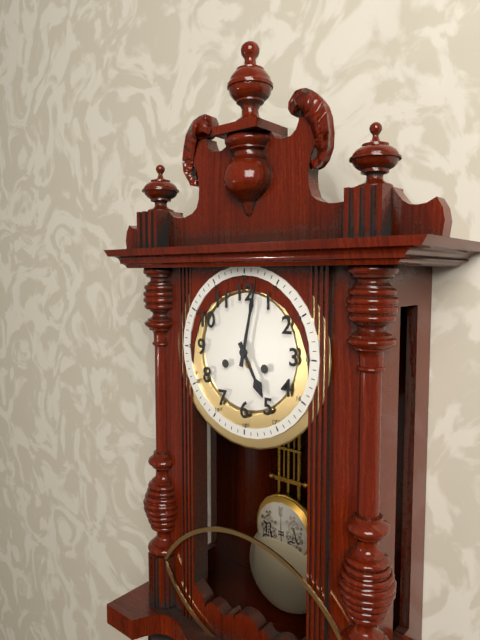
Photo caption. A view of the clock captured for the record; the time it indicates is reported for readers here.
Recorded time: 5:02
